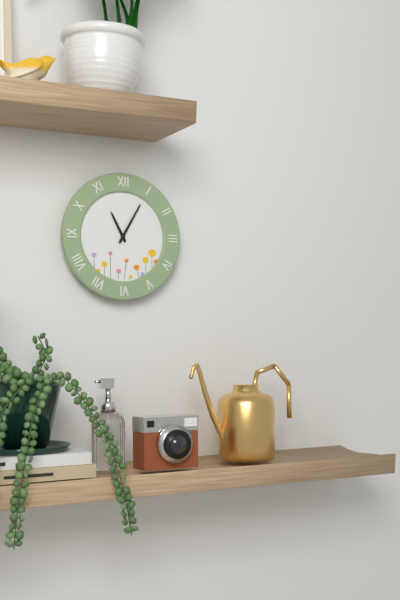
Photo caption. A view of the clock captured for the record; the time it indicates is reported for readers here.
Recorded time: 11:05
